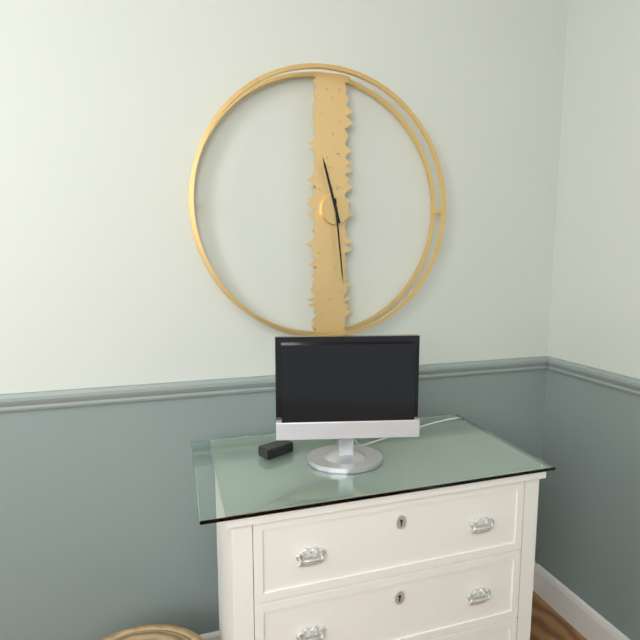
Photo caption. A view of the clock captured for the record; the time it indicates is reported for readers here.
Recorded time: 11:29
